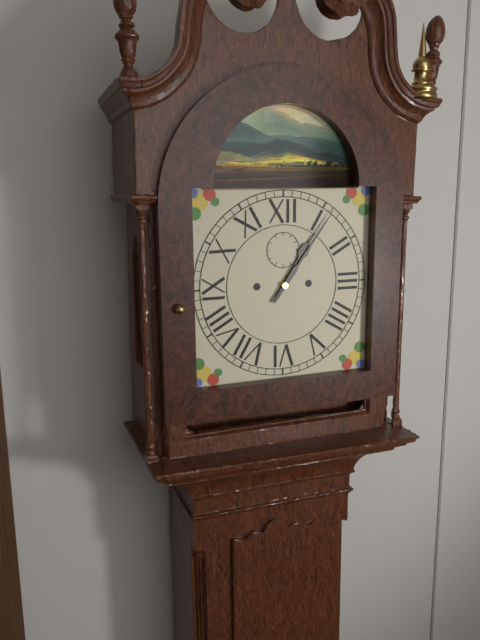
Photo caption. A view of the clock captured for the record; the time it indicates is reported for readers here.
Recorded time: 1:06
